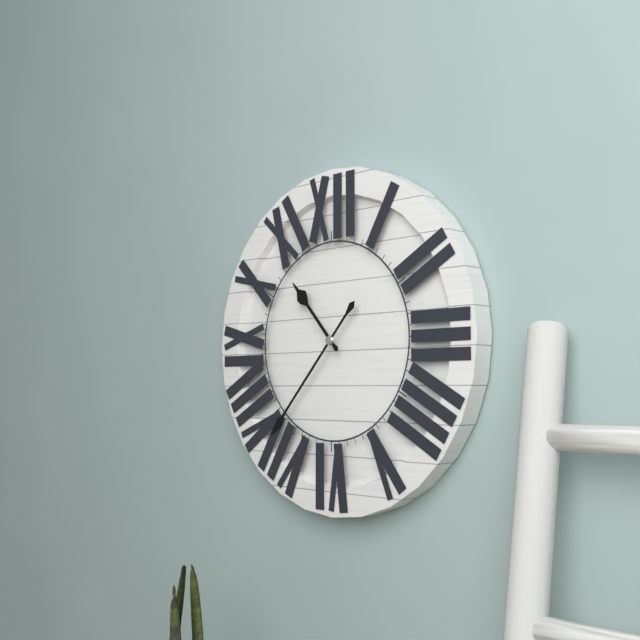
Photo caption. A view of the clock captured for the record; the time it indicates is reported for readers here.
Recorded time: 10:37
